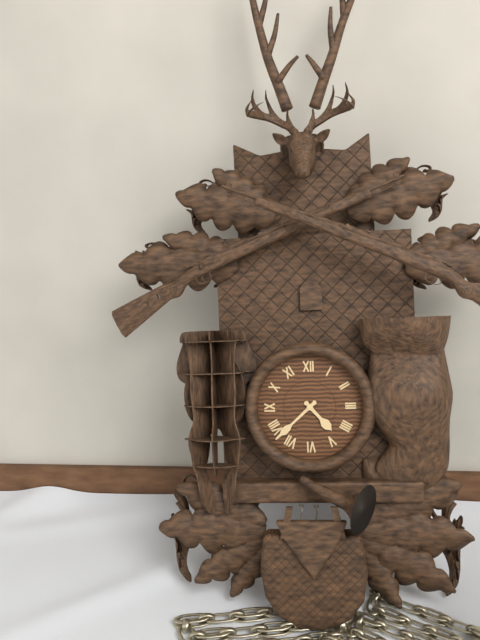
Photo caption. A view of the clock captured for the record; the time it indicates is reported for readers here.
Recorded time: 4:38
